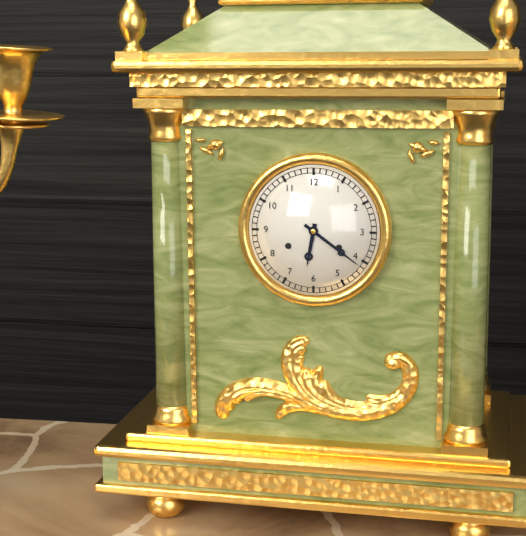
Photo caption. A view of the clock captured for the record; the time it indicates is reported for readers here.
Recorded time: 6:21
